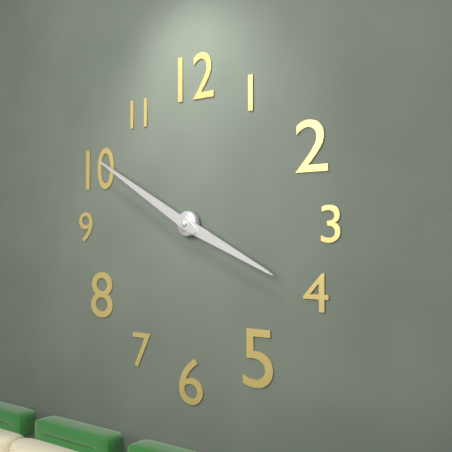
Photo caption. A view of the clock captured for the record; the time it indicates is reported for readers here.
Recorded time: 3:50
